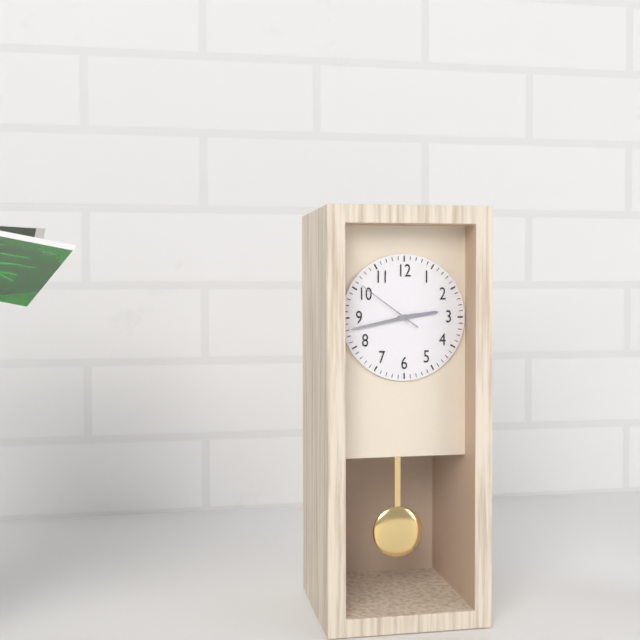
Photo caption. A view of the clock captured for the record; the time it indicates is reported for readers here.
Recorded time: 2:43:51
